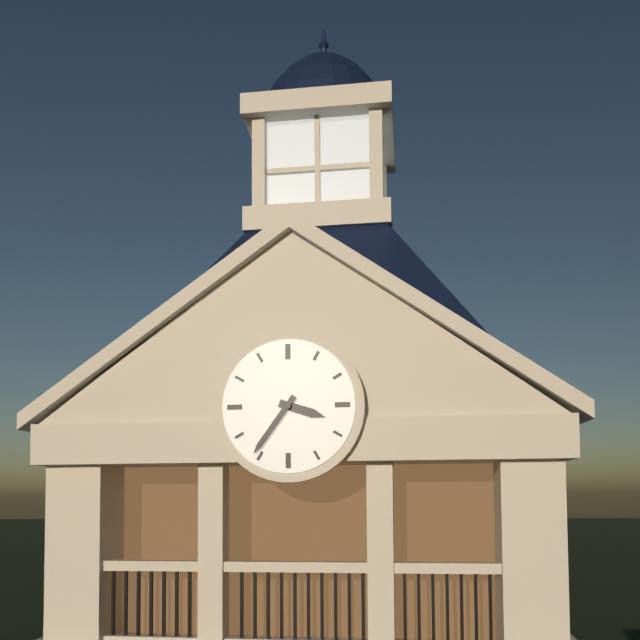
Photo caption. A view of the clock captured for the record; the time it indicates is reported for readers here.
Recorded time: 3:36
